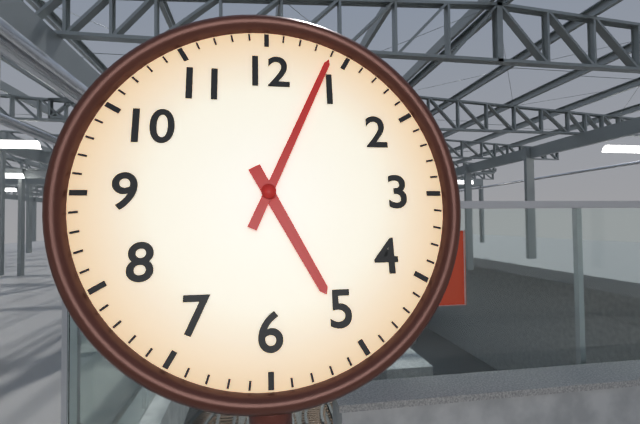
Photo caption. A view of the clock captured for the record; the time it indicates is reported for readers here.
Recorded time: 5:04
